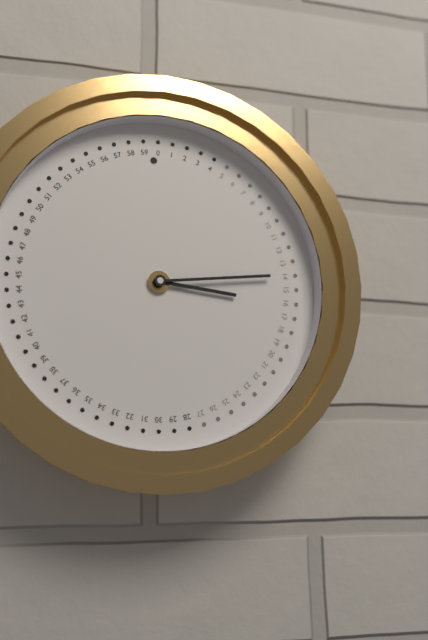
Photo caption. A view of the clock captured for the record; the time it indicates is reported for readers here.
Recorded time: 3:14
